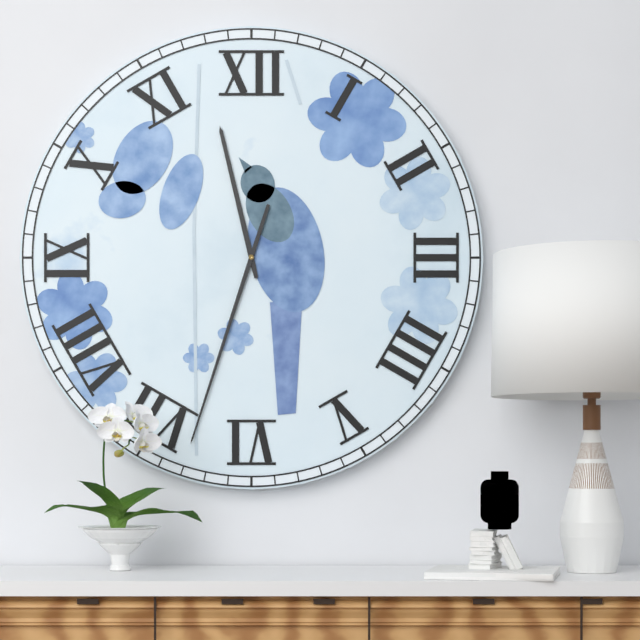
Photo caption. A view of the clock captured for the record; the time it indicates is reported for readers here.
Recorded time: 11:33
